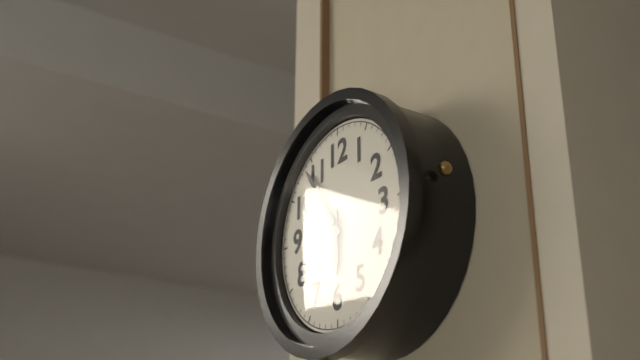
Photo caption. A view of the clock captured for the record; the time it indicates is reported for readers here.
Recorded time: 5:54
